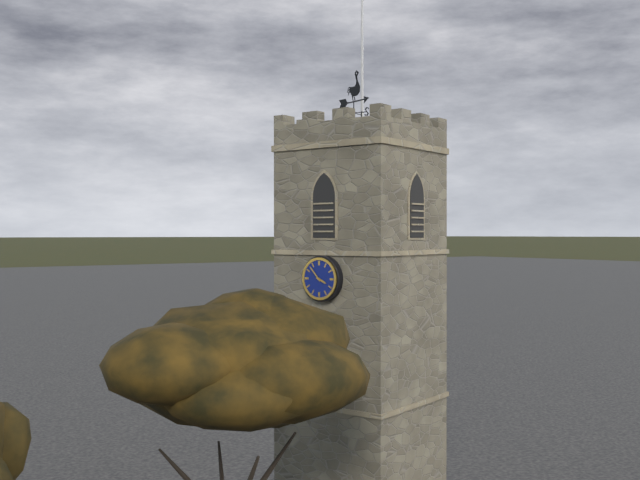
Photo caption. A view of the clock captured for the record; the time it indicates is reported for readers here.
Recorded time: 3:53
